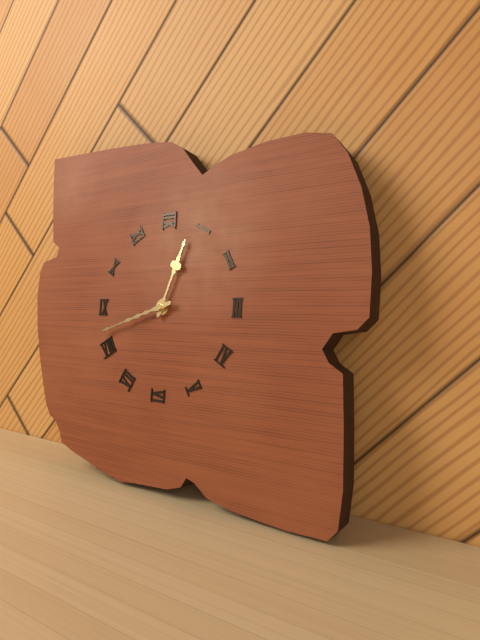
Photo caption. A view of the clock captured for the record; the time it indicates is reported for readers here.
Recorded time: 12:42
